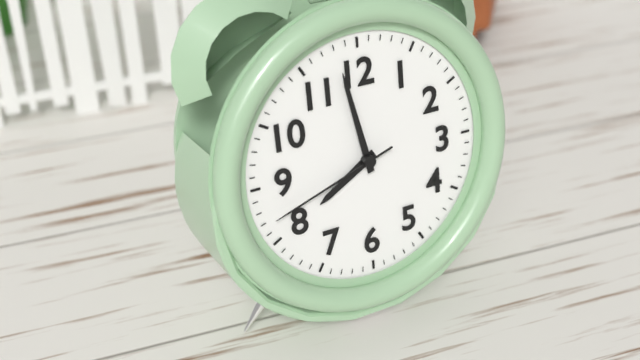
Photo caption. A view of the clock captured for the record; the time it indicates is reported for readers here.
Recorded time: 7:58:42
